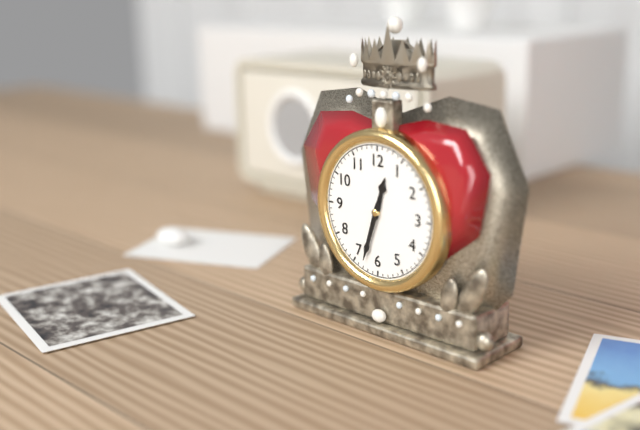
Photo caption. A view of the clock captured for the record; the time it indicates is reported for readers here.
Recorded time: 12:33
